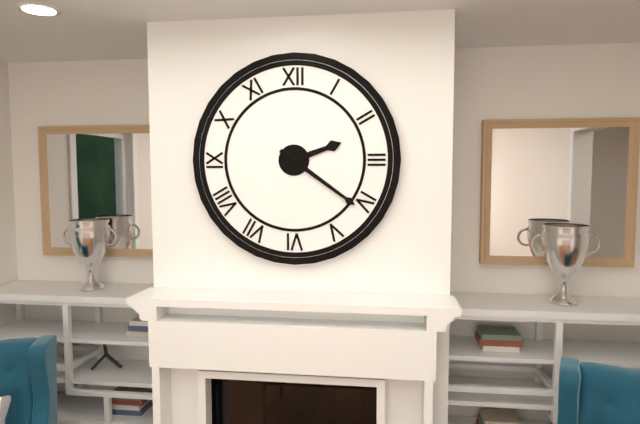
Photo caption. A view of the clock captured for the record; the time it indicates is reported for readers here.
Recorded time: 2:21
